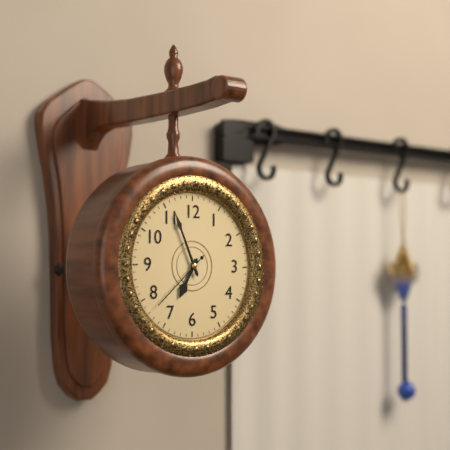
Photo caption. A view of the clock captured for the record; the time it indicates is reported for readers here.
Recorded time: 6:56:38
